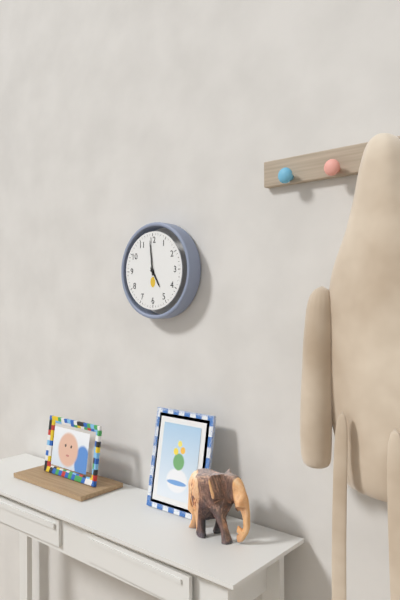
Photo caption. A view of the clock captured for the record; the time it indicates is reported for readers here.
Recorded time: 4:59
